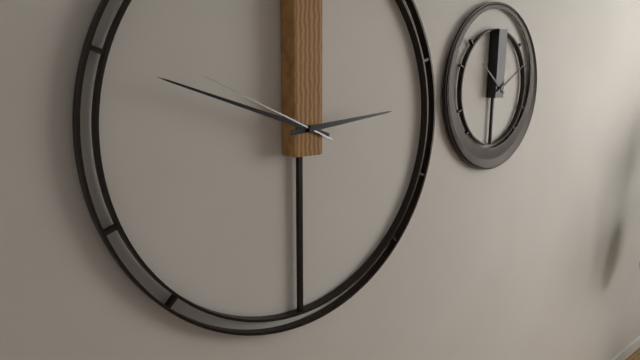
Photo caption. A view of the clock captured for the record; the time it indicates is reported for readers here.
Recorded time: 2:48:49
